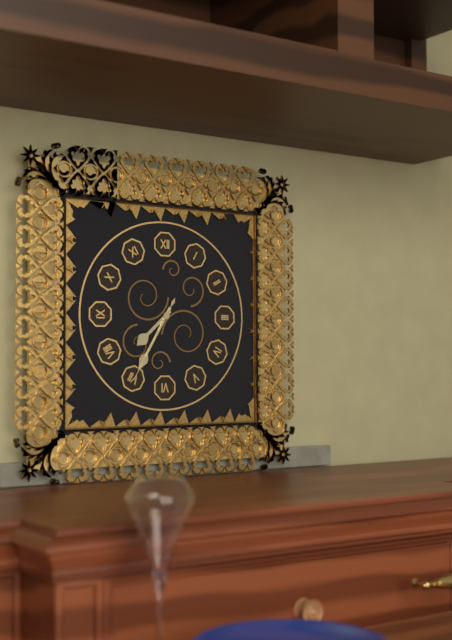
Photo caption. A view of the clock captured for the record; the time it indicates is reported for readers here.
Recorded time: 7:35:35
